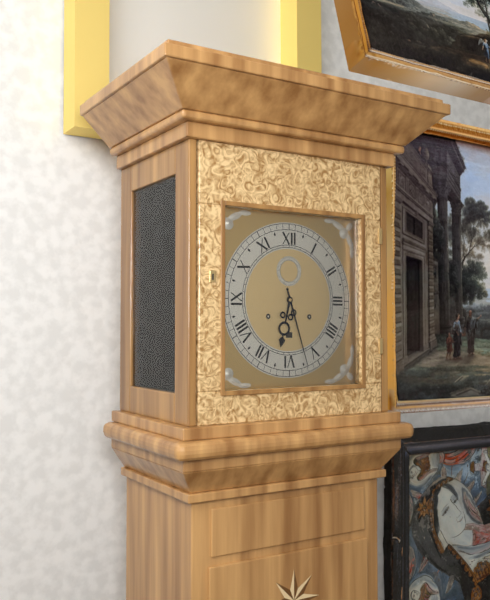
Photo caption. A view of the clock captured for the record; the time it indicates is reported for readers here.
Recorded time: 6:27
